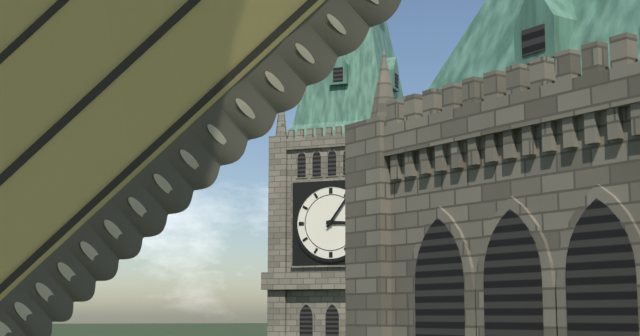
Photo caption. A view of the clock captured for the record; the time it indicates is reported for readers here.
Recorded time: 3:06
